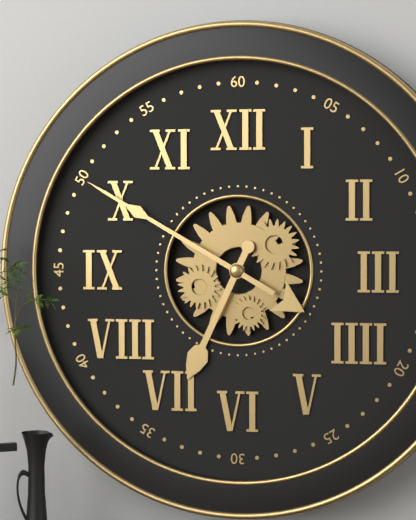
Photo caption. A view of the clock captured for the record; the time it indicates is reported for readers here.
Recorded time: 6:50
